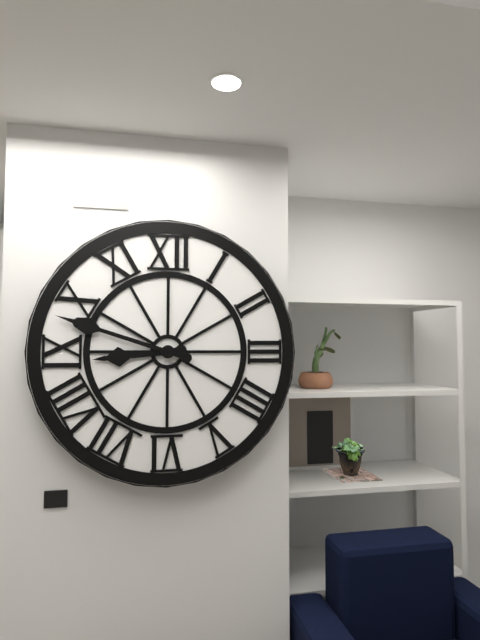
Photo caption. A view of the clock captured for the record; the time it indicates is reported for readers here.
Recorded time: 8:48
